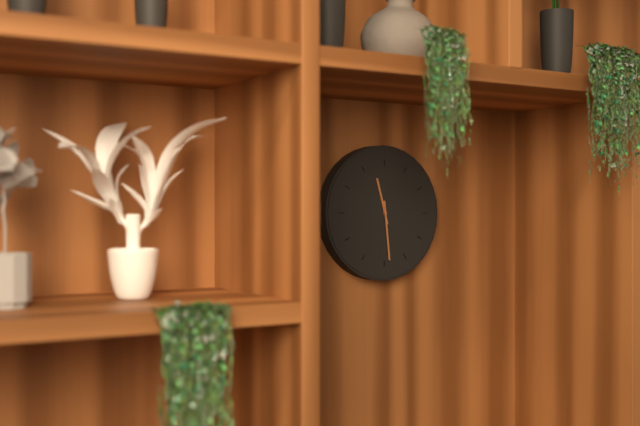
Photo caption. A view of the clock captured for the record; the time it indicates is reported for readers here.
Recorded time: 11:29
